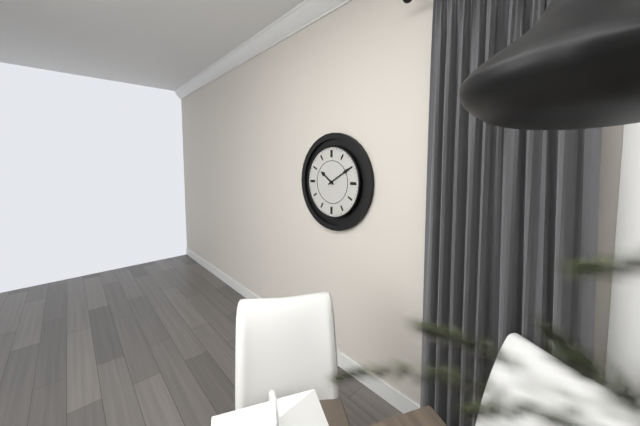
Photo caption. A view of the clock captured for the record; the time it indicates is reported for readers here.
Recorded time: 10:10
